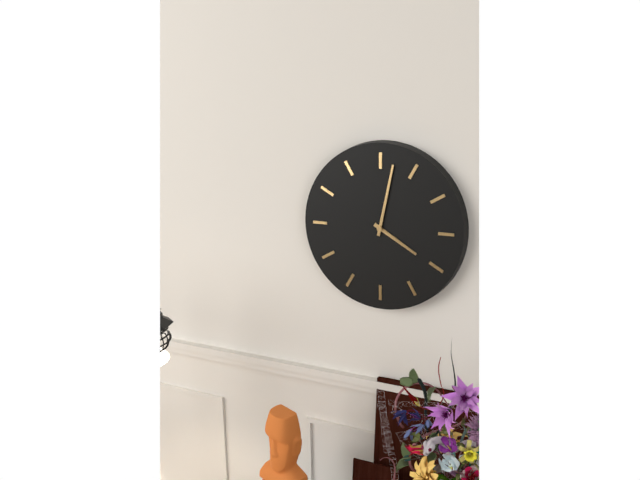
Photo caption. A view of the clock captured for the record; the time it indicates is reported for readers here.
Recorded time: 4:02
